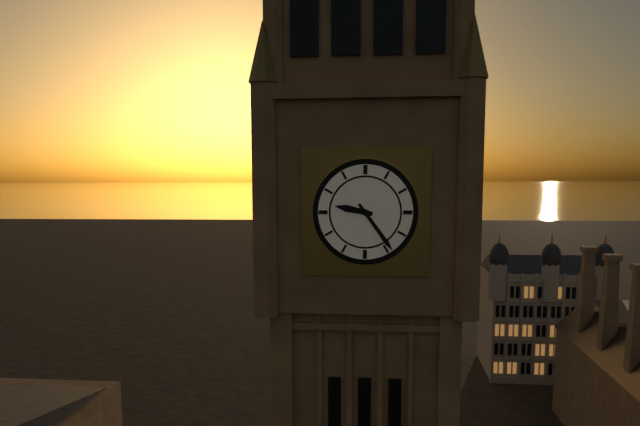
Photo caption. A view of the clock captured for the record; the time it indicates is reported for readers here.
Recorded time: 9:24
